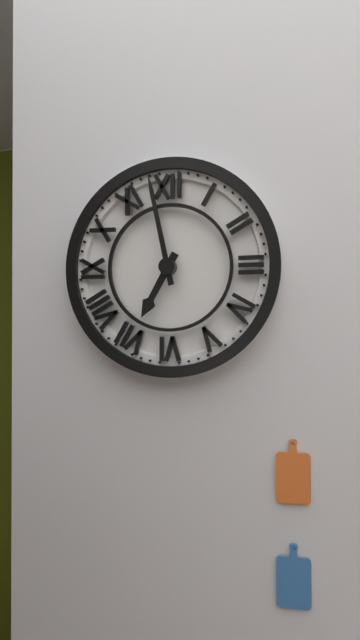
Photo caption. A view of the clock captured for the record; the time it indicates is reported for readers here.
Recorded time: 6:58
